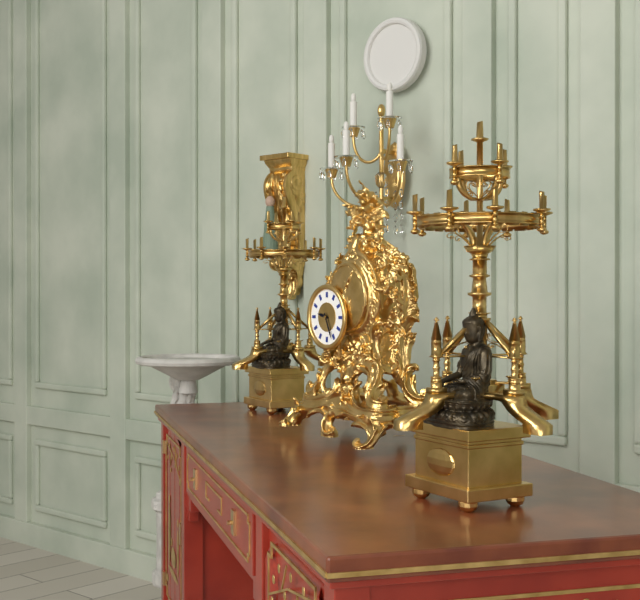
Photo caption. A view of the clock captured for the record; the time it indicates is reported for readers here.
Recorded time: 9:26
